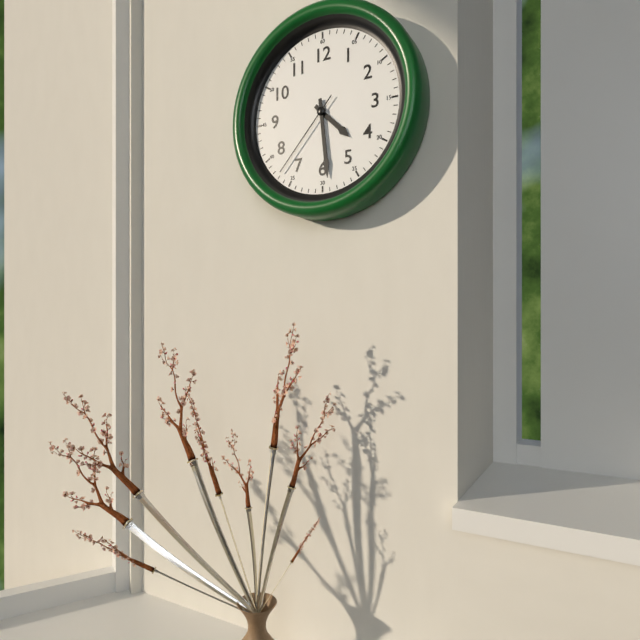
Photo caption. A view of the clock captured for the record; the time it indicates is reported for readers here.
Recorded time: 4:29:37
